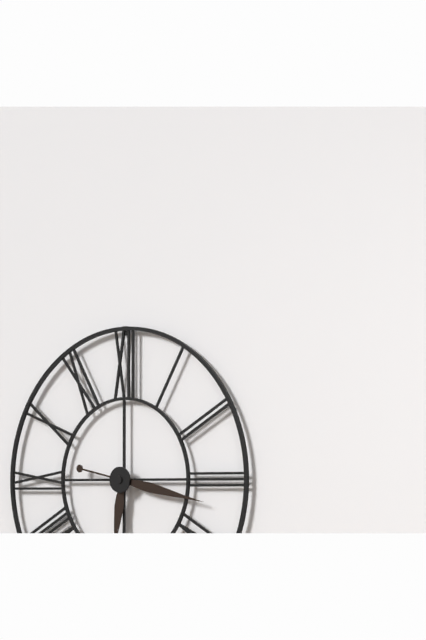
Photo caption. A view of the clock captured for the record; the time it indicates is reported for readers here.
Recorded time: 6:17
